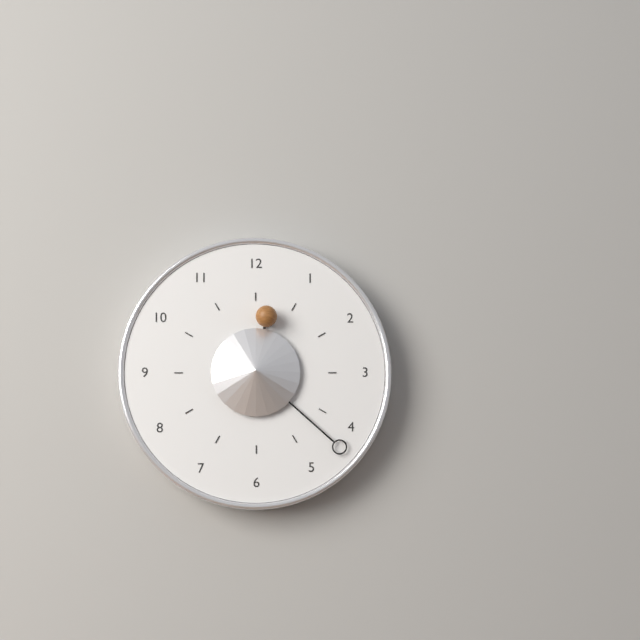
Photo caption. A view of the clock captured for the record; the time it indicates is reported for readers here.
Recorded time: 12:22
